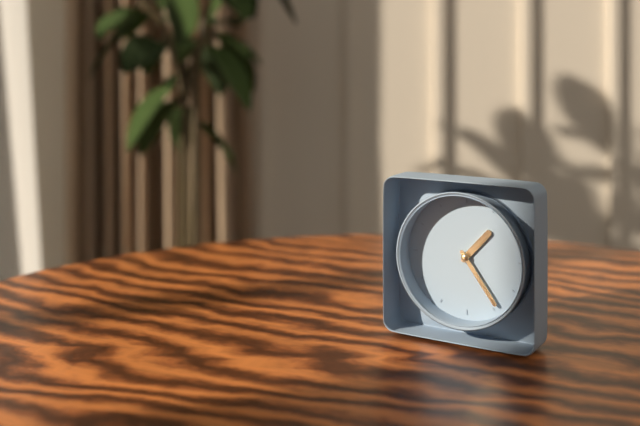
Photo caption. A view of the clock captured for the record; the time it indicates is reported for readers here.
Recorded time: 1:24
